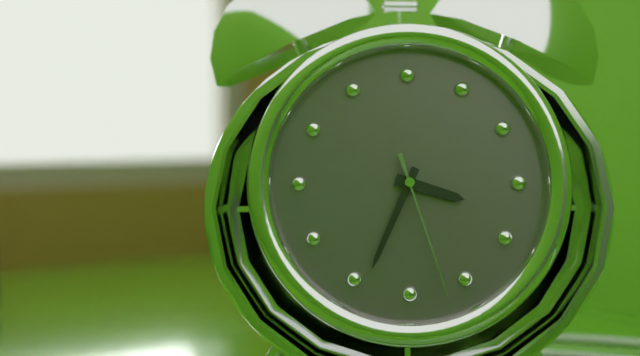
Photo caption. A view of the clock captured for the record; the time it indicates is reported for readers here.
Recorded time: 3:34:27
